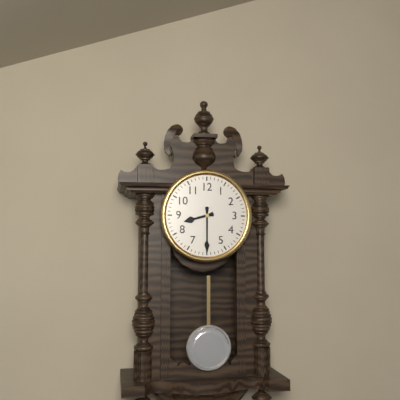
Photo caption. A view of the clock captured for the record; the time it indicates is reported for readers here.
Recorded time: 8:30
